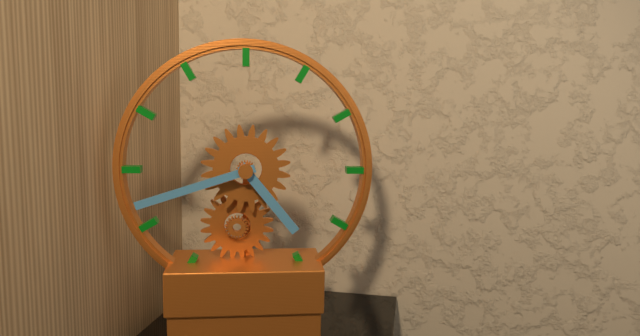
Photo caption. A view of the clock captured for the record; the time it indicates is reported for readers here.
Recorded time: 4:42
